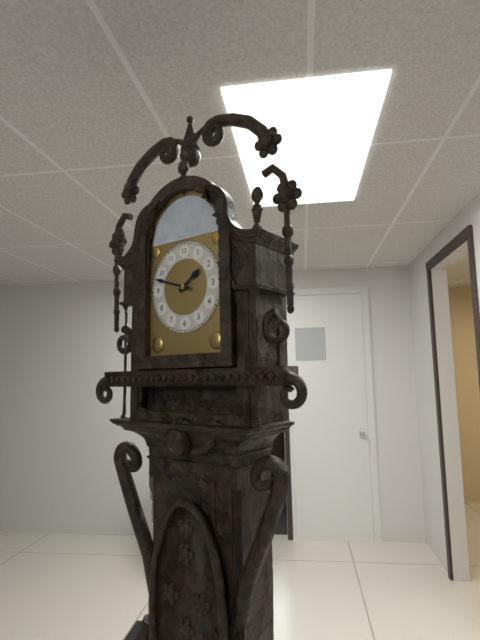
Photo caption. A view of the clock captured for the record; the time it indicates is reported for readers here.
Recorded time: 1:48
